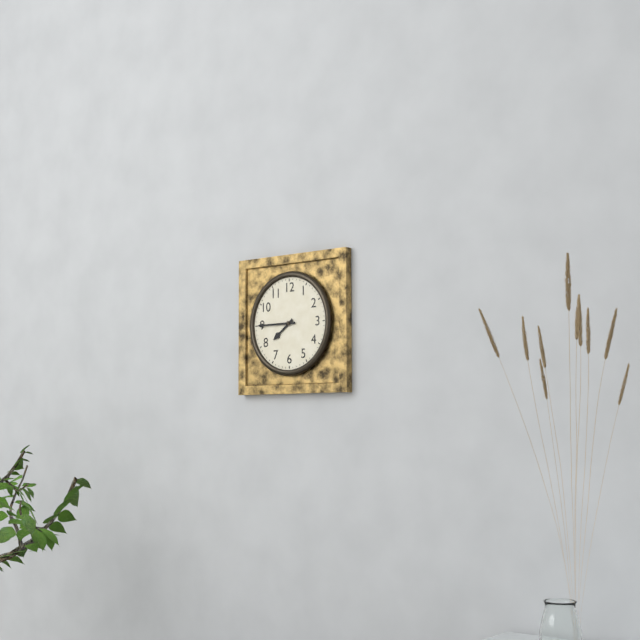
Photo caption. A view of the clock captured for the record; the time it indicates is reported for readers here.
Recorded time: 7:45
